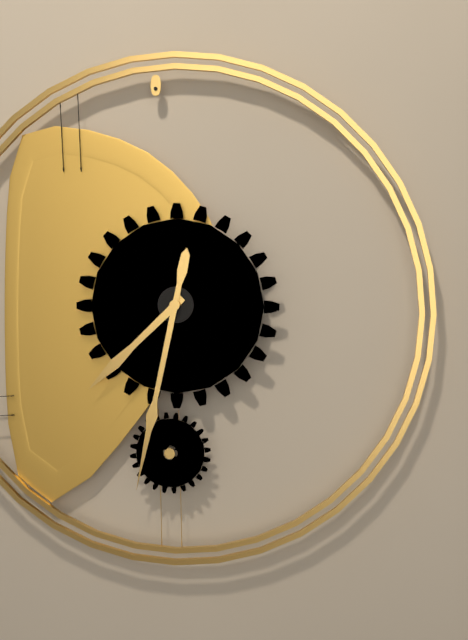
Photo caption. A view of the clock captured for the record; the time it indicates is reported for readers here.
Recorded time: 7:32
